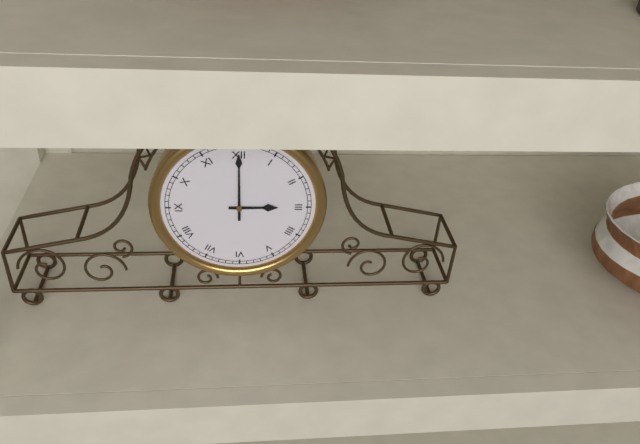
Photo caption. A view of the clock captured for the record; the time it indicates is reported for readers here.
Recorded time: 3:00
